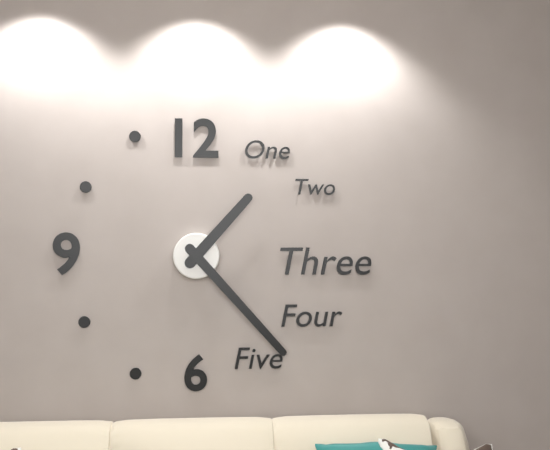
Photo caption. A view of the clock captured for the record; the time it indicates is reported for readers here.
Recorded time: 1:23
